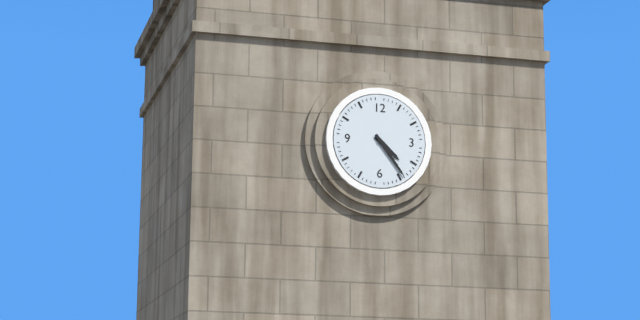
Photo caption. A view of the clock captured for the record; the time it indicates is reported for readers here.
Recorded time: 4:24
